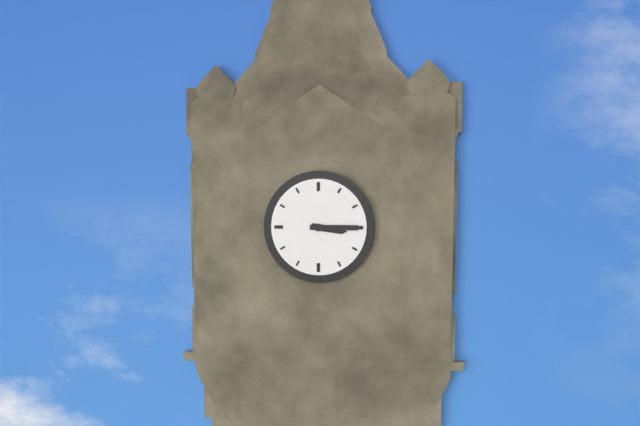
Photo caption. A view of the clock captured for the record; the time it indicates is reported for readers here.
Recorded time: 3:15
